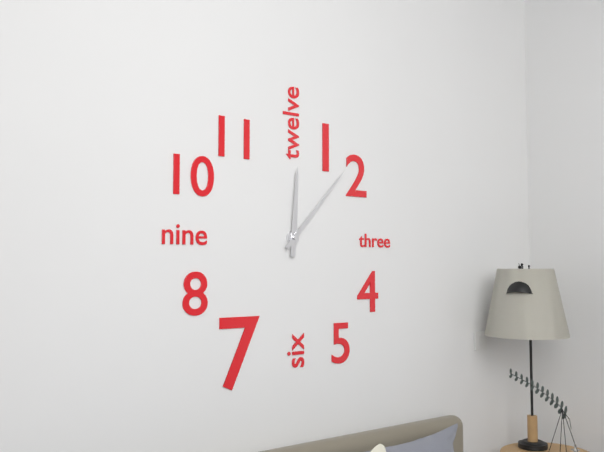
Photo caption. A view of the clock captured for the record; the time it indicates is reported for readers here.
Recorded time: 12:07
